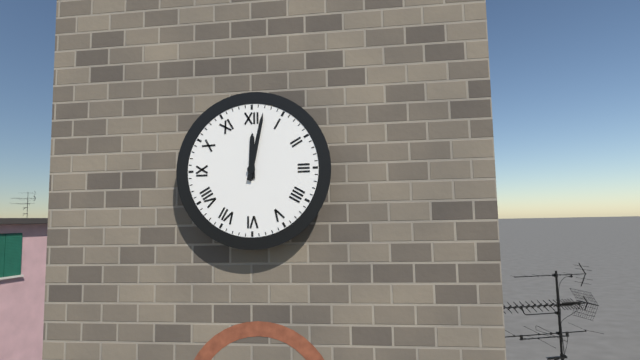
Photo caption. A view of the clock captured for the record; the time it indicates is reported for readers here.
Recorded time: 12:02
